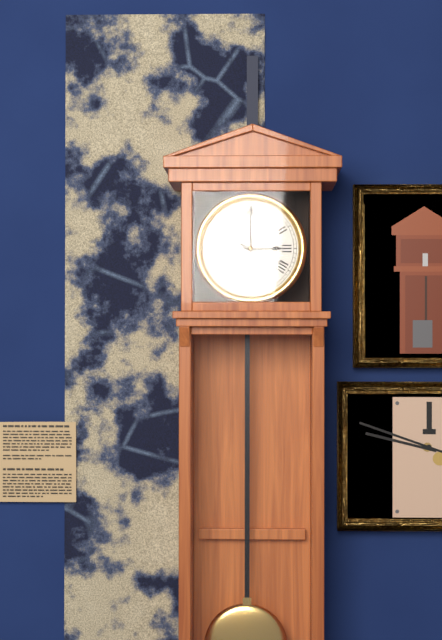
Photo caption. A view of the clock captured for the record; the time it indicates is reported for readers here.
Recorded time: 3:00:19
